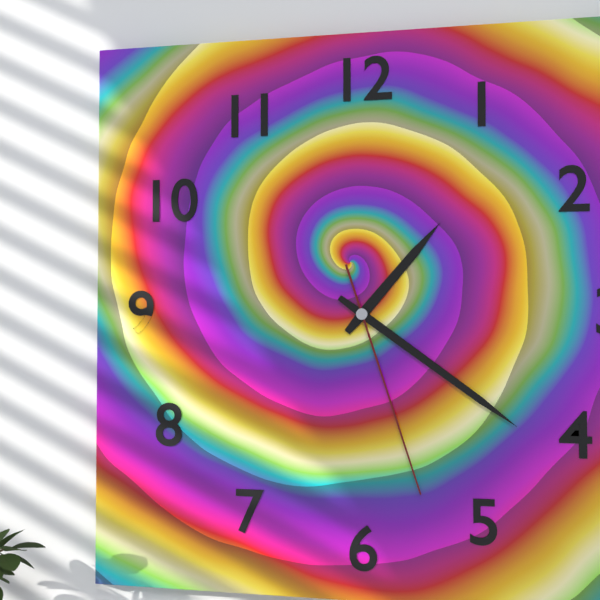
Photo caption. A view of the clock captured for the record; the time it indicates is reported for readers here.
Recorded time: 1:21:27
